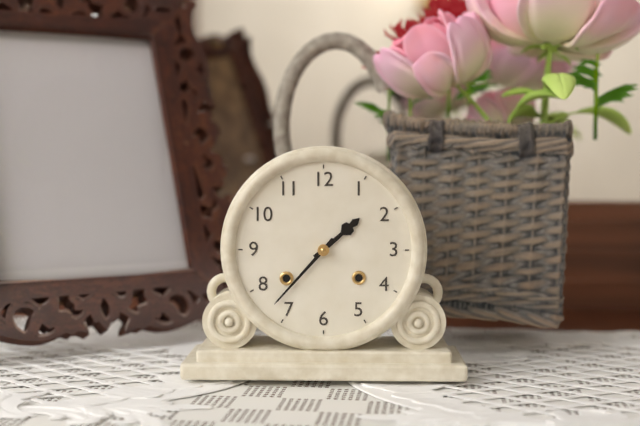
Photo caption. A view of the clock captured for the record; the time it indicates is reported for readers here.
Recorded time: 1:37
